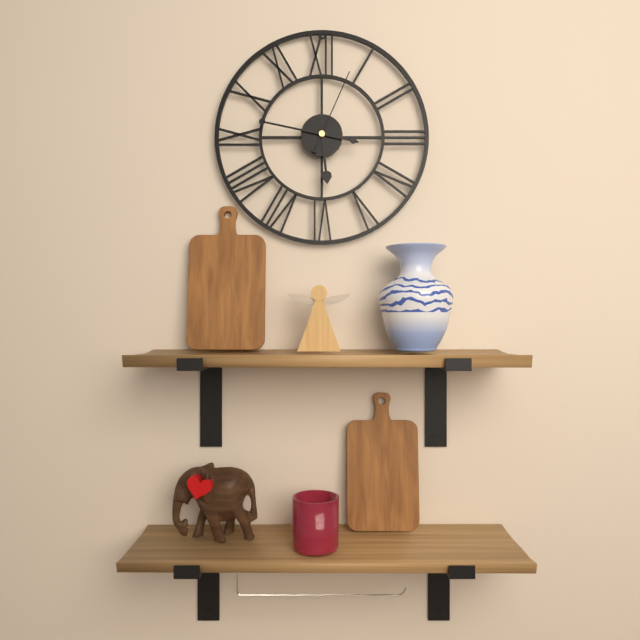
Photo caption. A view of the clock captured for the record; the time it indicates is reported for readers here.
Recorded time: 5:47:04
